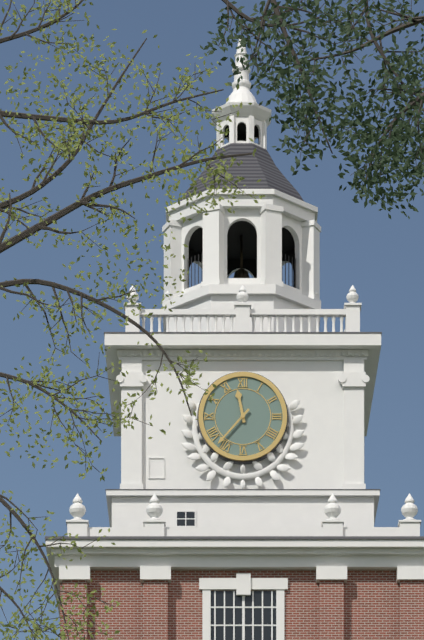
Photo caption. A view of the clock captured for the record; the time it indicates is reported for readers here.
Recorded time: 11:37
